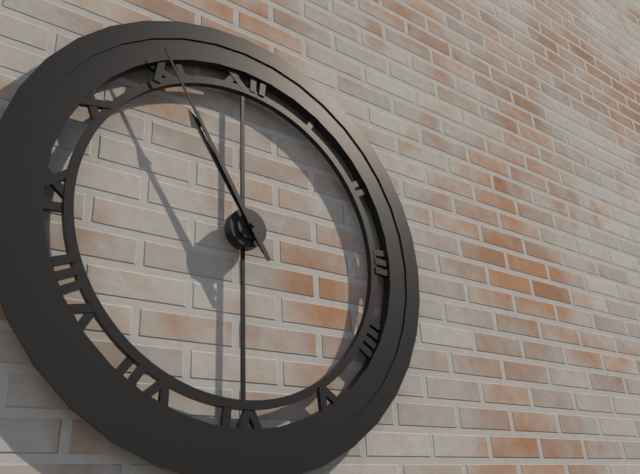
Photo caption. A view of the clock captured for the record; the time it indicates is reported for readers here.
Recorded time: 10:55
